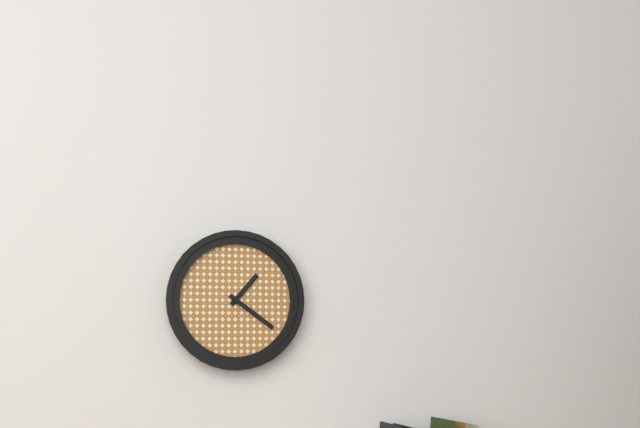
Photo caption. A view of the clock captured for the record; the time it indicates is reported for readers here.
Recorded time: 1:21
